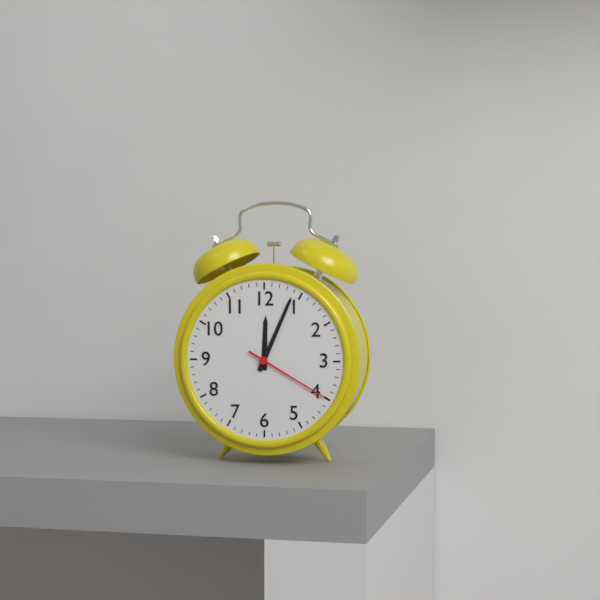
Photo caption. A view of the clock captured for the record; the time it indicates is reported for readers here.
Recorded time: 12:04:20
